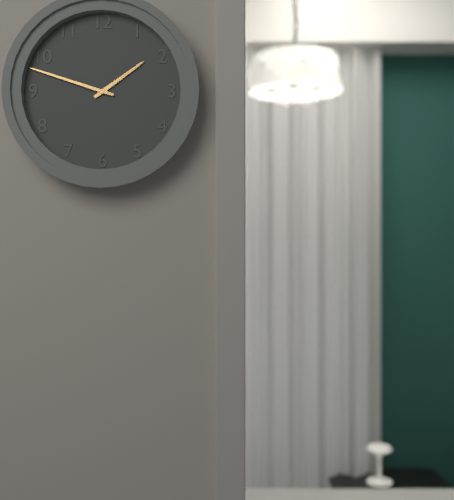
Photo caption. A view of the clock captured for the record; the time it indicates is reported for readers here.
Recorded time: 1:48
